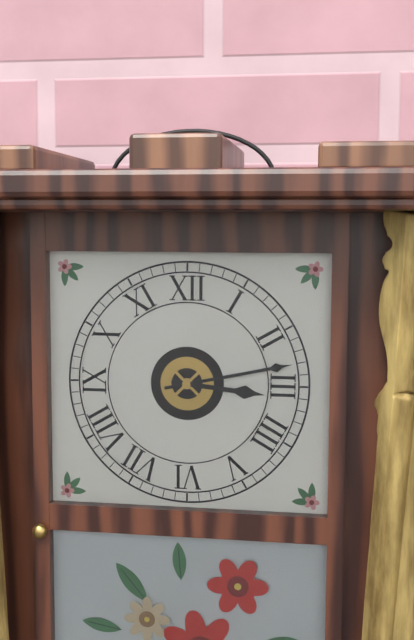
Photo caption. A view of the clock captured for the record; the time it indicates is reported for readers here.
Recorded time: 3:13
